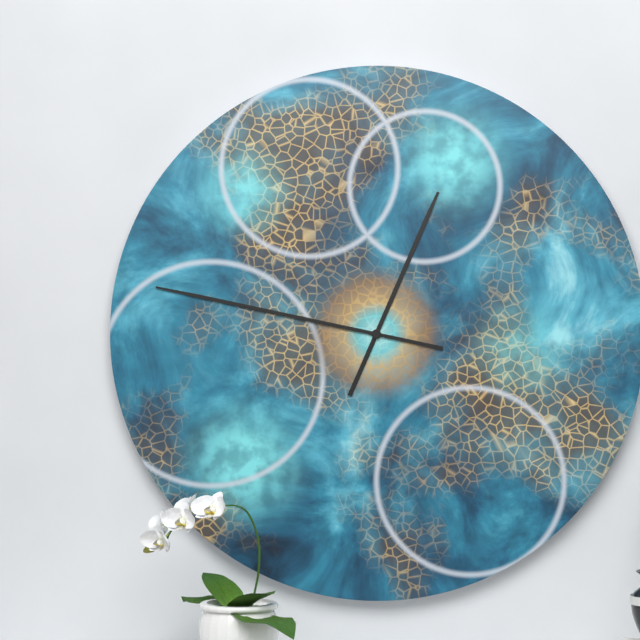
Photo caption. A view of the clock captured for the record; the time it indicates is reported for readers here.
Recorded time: 12:47
